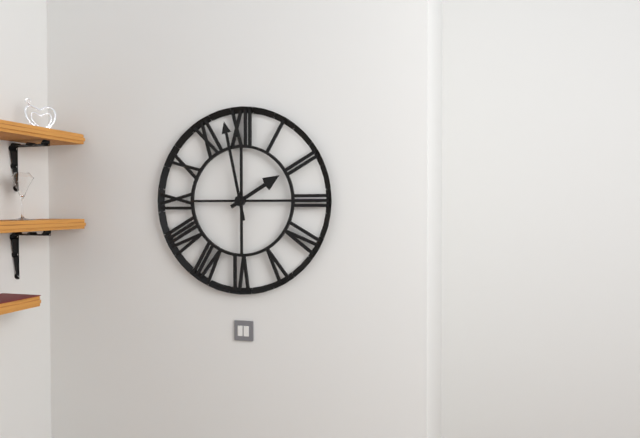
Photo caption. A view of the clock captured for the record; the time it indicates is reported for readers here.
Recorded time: 1:58
